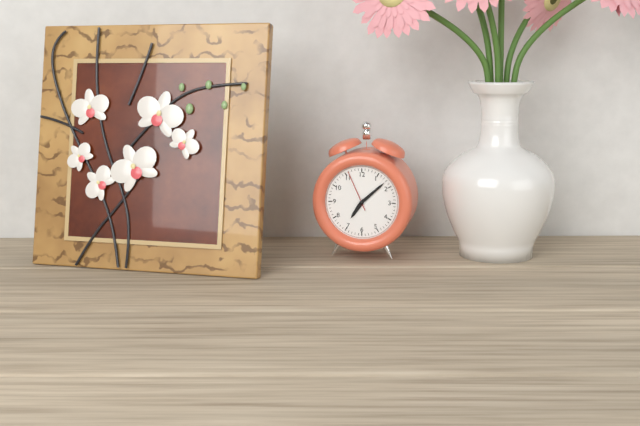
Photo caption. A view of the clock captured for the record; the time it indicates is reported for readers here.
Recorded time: 7:08
